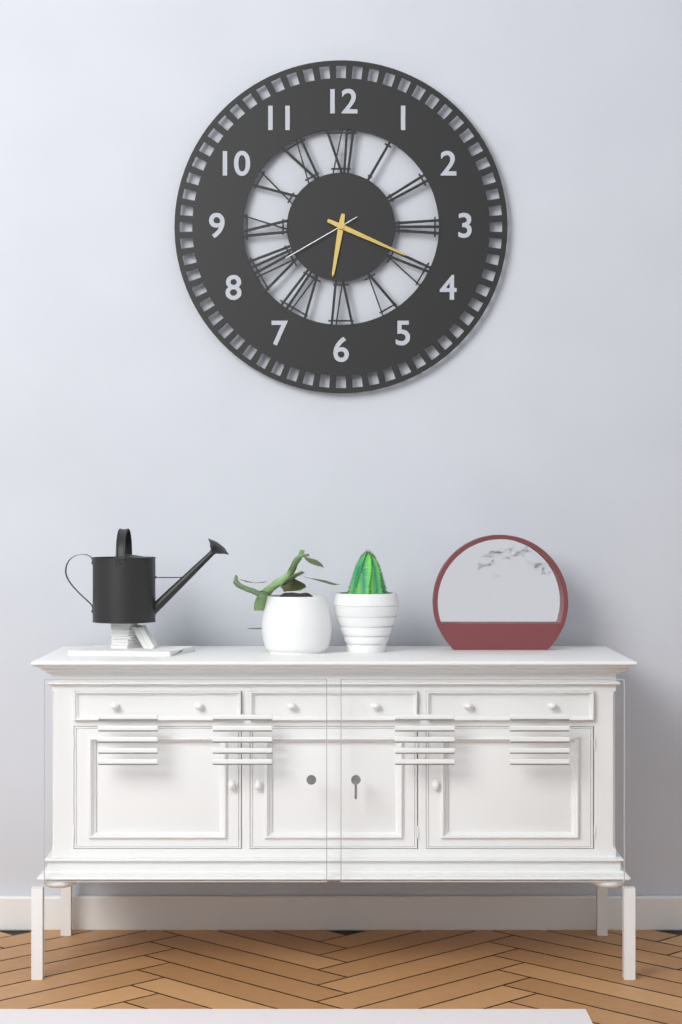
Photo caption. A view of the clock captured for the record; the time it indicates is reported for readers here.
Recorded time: 6:19:40
